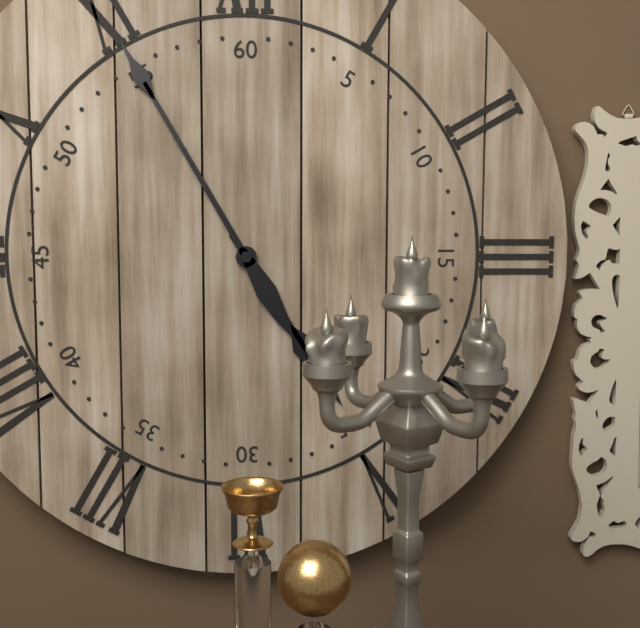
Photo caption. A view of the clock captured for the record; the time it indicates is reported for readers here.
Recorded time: 4:55
